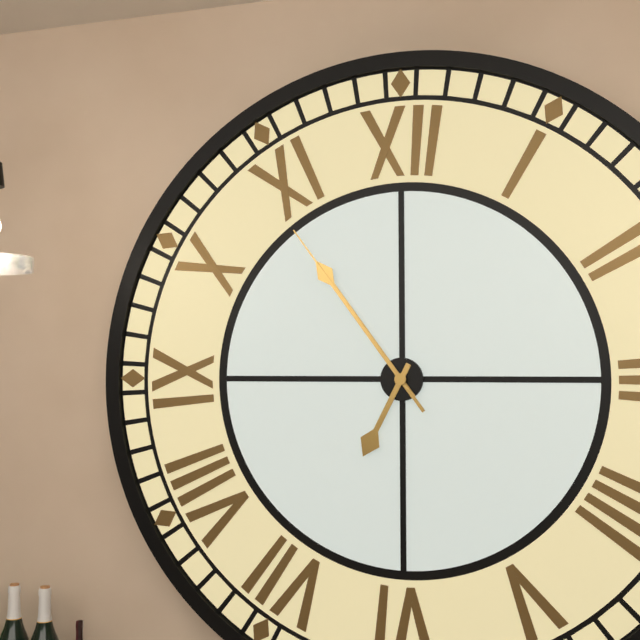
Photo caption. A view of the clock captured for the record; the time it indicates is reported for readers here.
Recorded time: 6:54:54
